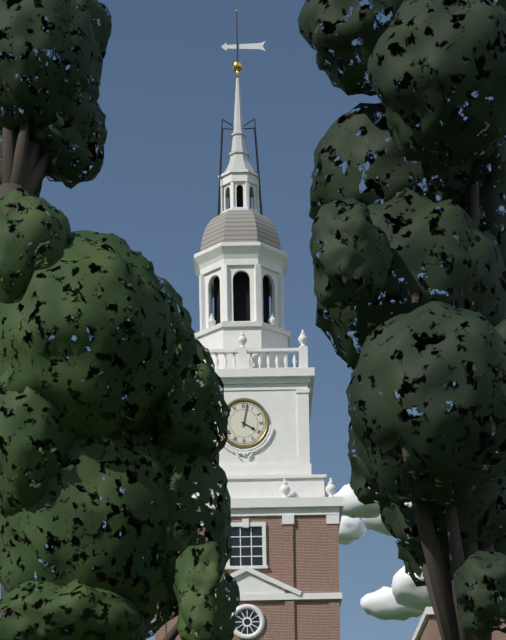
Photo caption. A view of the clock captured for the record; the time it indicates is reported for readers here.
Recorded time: 4:02
